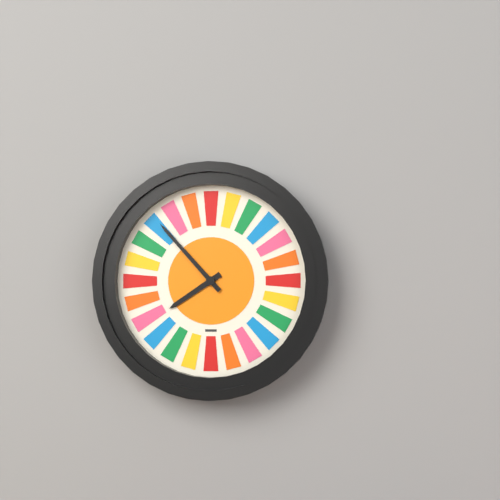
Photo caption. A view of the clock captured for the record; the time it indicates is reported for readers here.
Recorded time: 7:53
